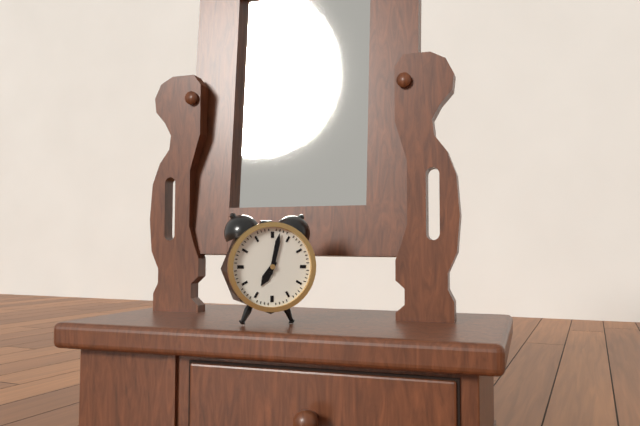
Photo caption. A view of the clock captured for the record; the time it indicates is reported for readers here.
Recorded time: 7:02
